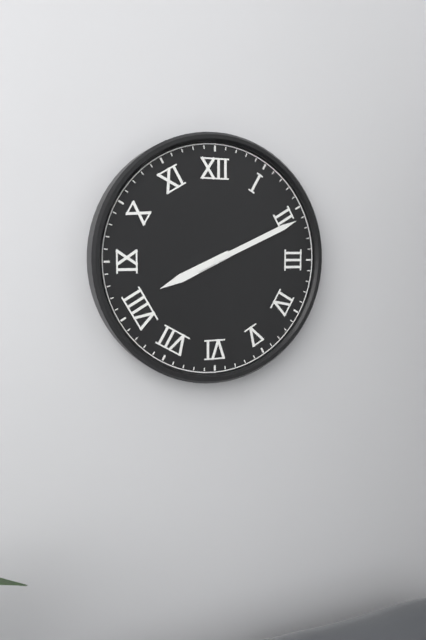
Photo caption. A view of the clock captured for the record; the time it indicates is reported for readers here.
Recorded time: 8:11
